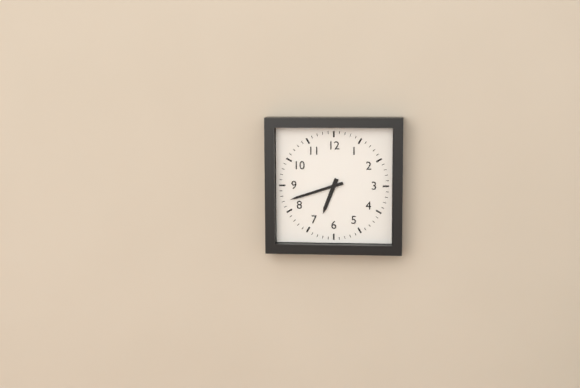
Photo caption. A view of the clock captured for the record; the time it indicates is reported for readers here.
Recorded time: 6:42
